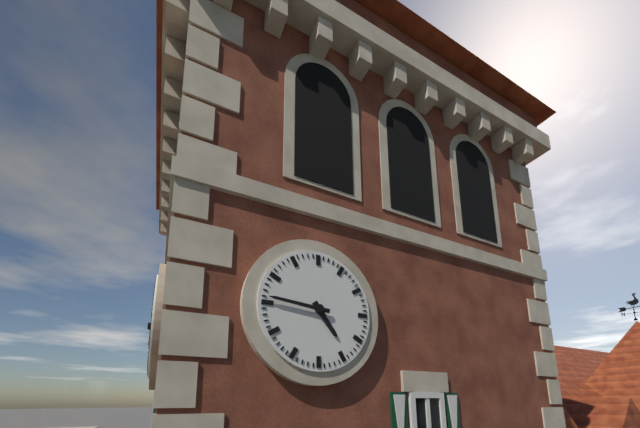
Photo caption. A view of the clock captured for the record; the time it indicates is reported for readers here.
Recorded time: 4:46
